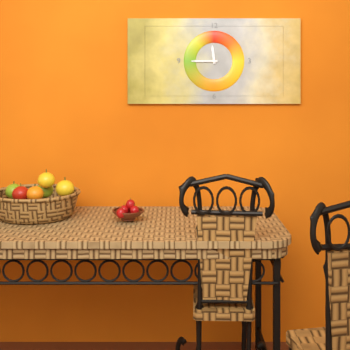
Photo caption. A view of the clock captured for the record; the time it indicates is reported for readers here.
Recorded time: 11:45
